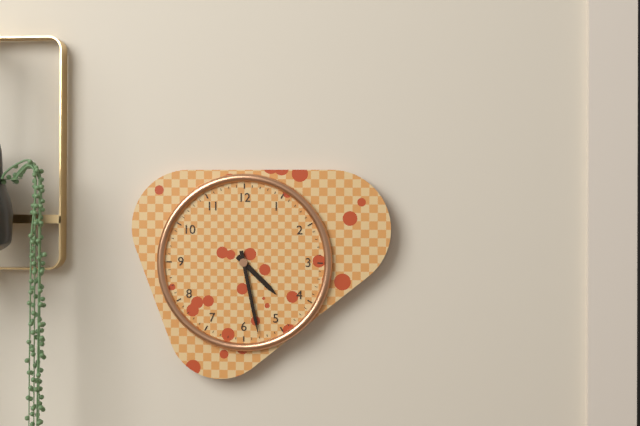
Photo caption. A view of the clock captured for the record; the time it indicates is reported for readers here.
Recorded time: 4:28
